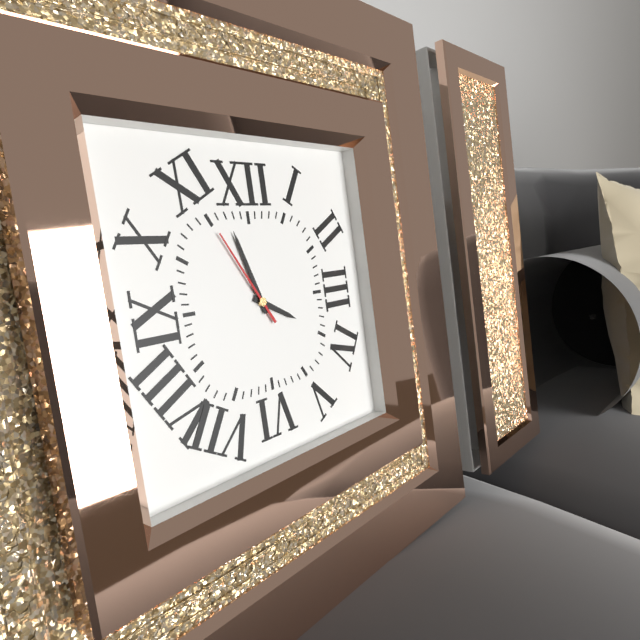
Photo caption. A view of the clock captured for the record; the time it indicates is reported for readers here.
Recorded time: 3:57:55
